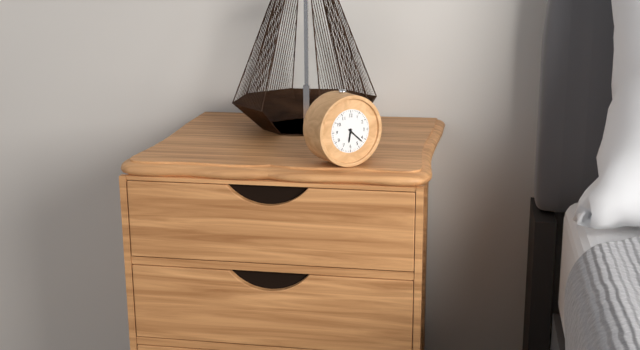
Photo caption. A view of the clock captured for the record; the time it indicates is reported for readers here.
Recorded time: 6:22
